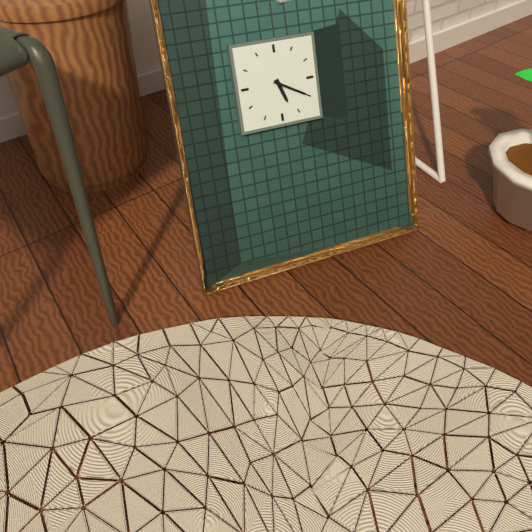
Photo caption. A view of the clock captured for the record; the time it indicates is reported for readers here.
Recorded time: 5:20
